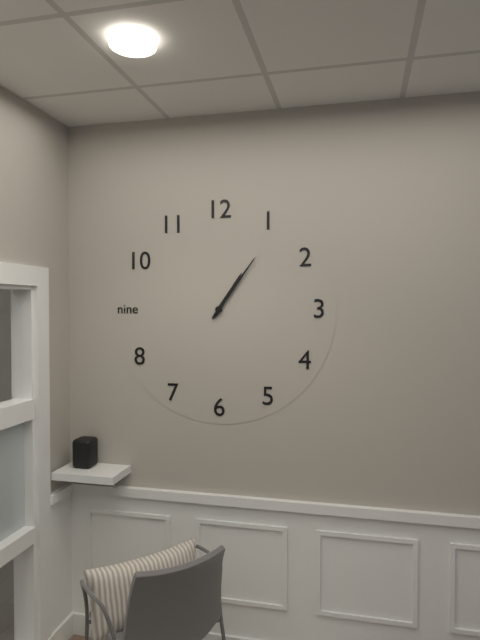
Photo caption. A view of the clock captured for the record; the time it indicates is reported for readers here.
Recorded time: 1:06
